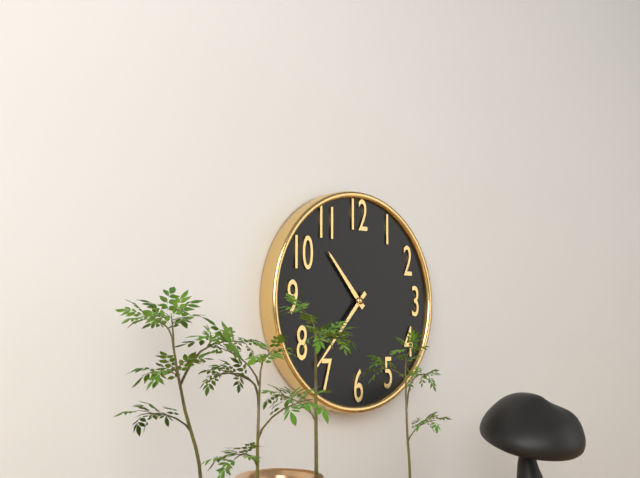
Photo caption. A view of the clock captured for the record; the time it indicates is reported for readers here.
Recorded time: 10:37
